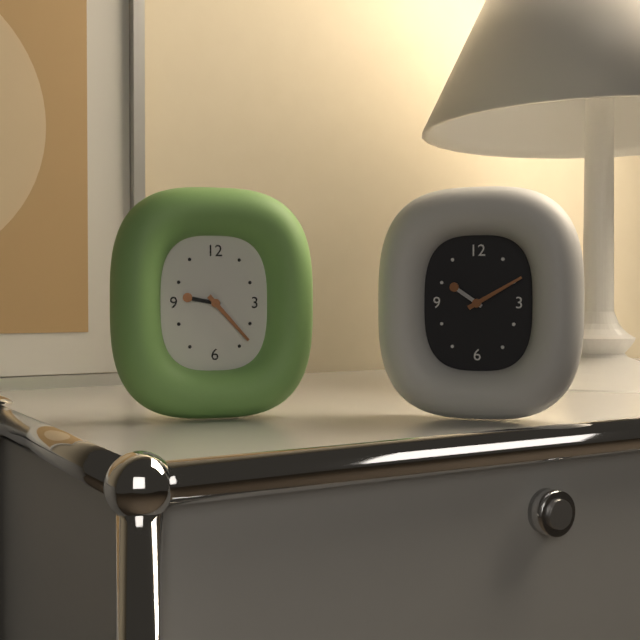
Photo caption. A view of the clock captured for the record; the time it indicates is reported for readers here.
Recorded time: 9:23
